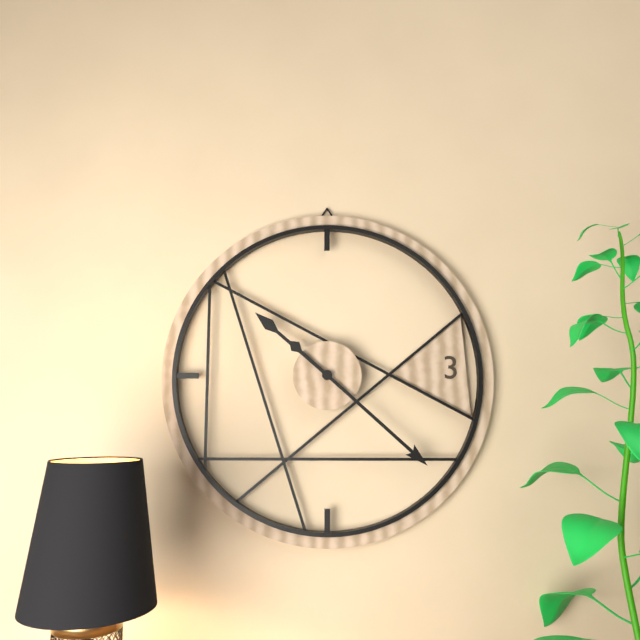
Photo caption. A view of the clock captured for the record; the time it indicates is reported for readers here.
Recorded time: 10:22
